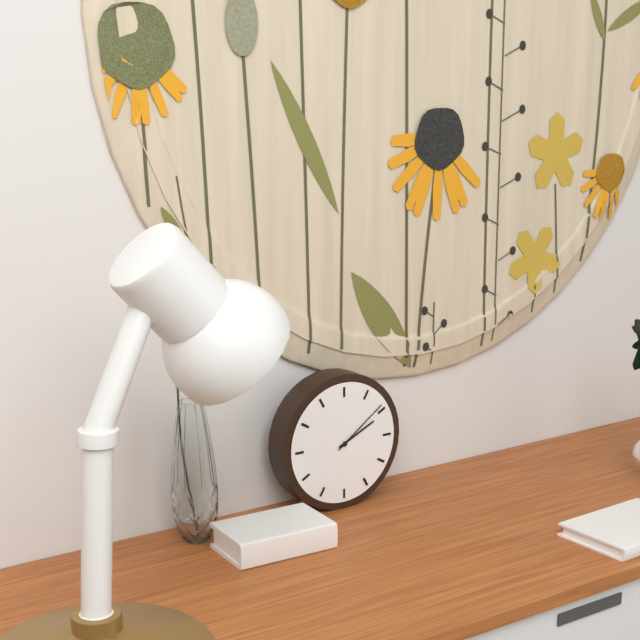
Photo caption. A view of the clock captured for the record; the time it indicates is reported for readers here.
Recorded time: 2:09
